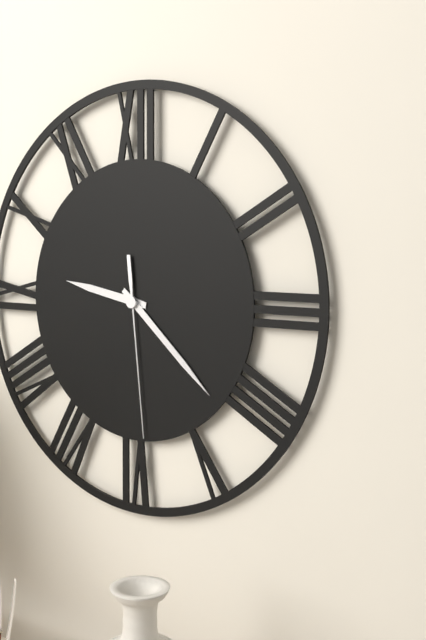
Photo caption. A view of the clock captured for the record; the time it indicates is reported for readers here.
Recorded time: 9:22:29
